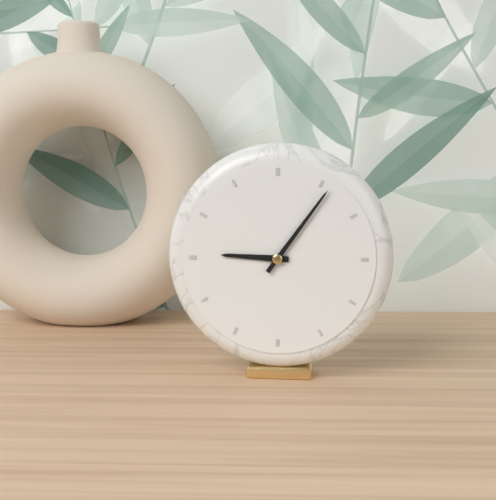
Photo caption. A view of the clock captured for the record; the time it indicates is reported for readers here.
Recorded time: 9:06
